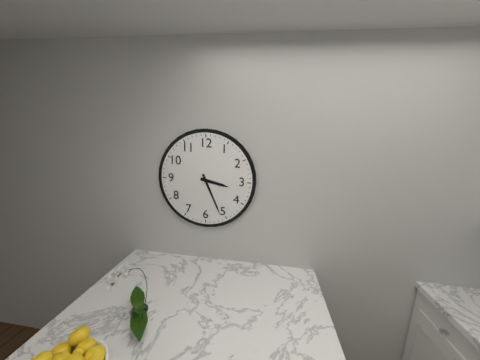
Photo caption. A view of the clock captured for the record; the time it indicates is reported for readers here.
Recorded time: 3:26
